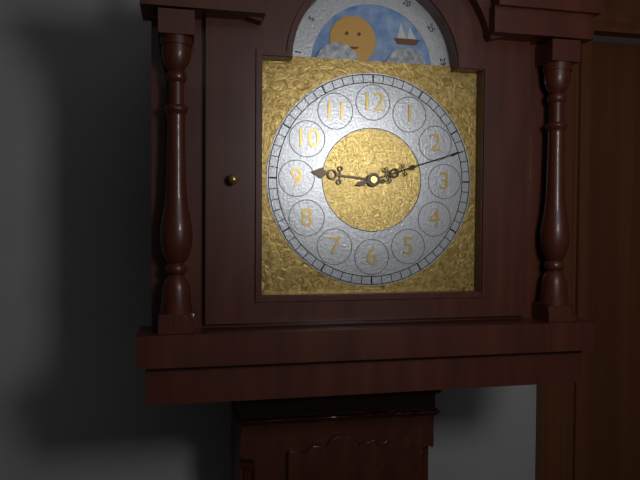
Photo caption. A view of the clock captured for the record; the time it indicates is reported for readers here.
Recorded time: 9:12
